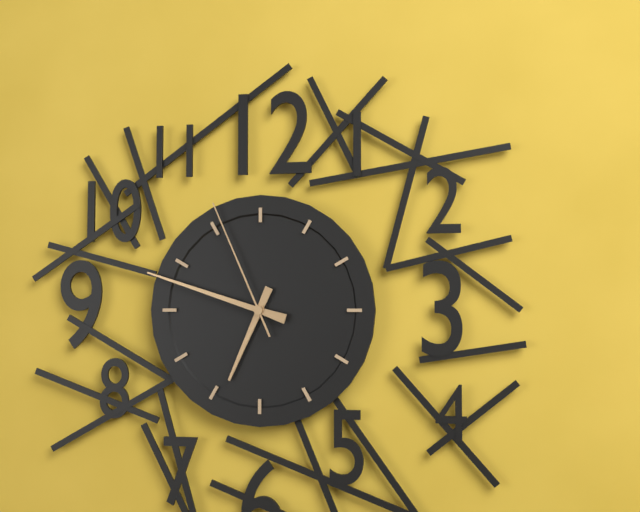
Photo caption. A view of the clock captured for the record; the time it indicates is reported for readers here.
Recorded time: 6:48:56
